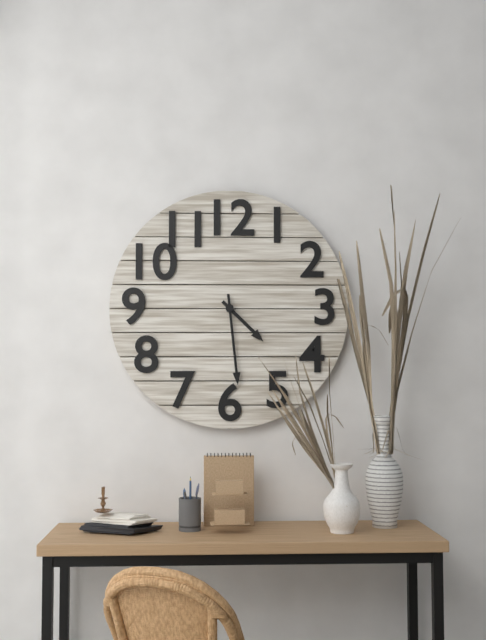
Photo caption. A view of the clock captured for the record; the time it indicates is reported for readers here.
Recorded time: 4:29
